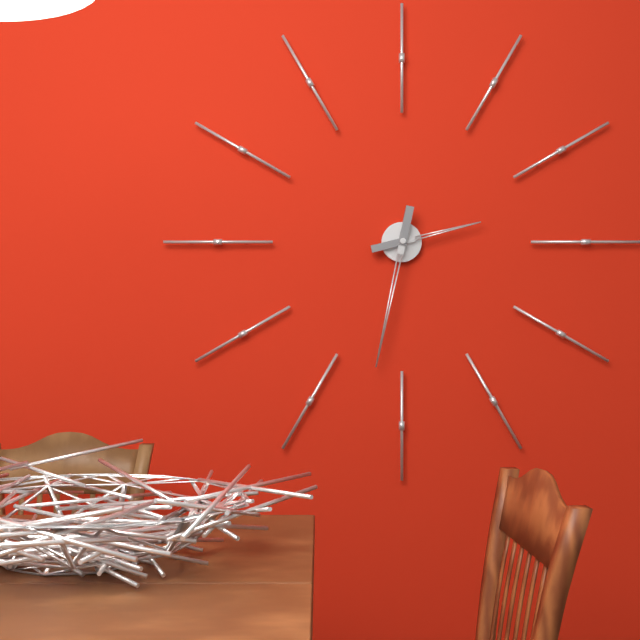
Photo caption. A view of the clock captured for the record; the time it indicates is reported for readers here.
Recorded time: 2:32
